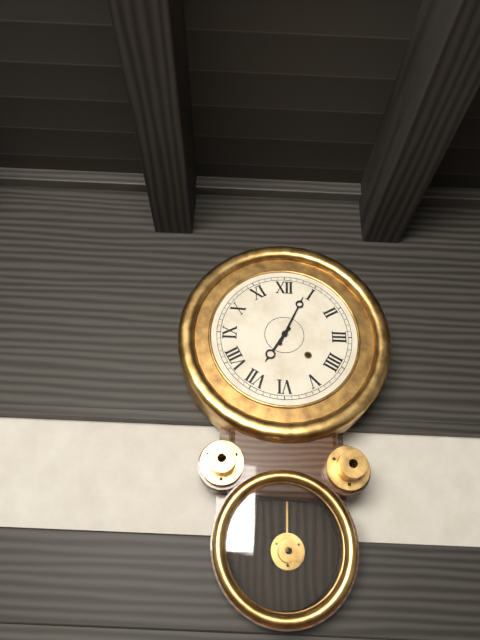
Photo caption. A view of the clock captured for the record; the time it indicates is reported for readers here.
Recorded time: 7:04
